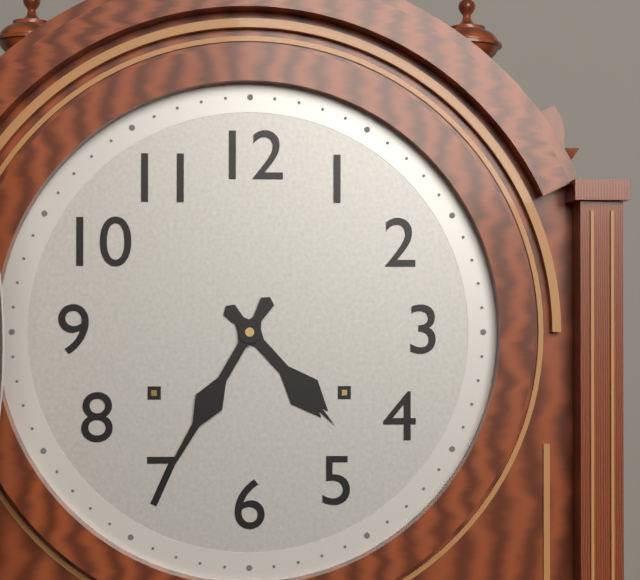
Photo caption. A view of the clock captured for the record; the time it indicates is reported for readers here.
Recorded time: 4:35
